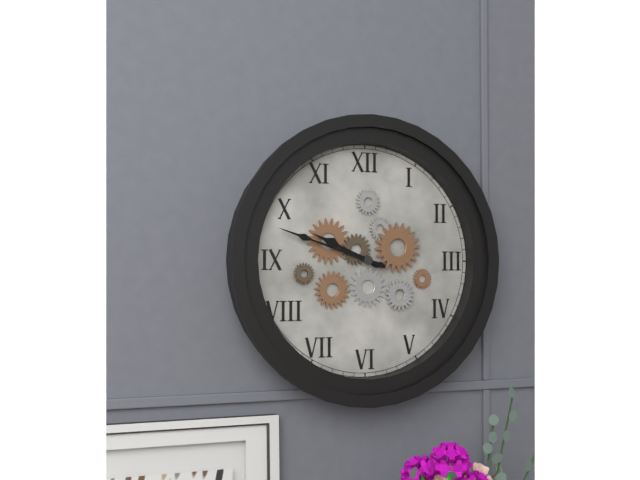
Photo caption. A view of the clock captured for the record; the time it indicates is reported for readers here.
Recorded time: 9:48
